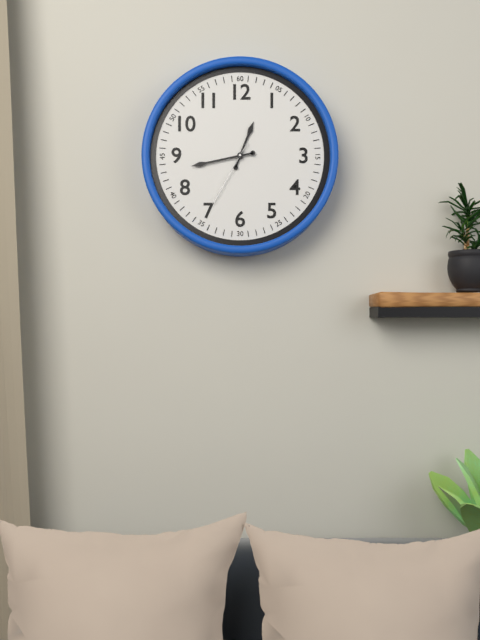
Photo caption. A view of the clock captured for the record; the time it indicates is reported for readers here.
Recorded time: 12:43:35
